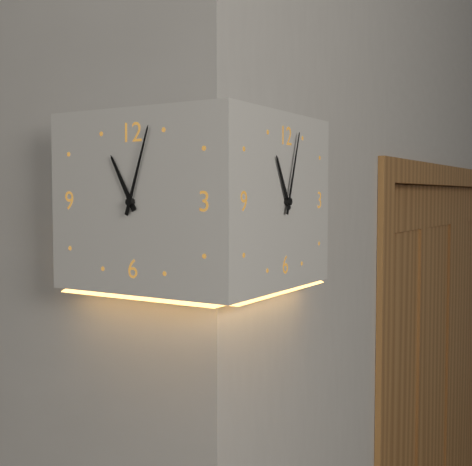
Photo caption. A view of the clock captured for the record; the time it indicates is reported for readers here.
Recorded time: 11:03
